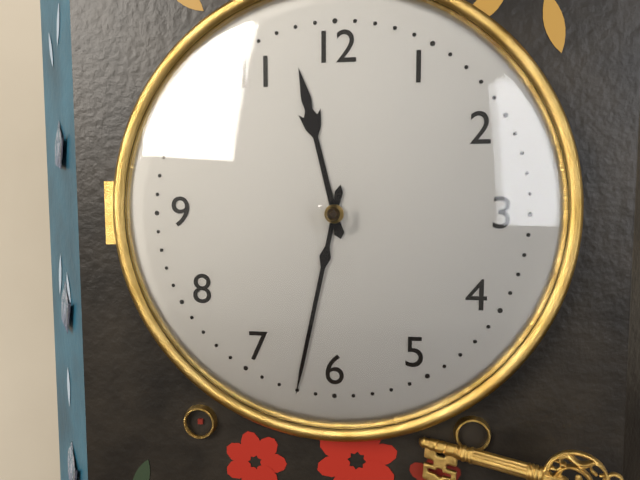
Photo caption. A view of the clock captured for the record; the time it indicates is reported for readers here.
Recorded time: 11:32
